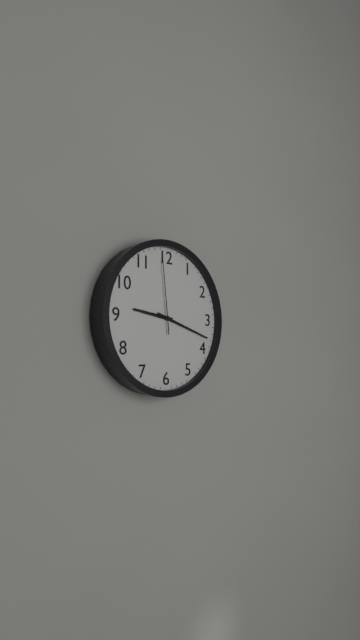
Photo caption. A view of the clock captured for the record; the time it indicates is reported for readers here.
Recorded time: 9:18:59
